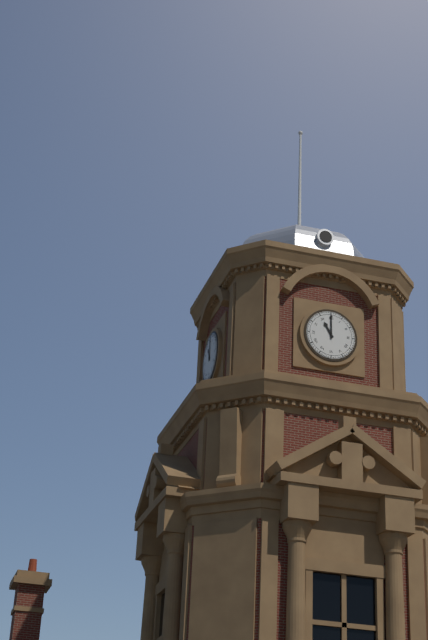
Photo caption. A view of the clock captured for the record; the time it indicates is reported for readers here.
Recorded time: 11:00
